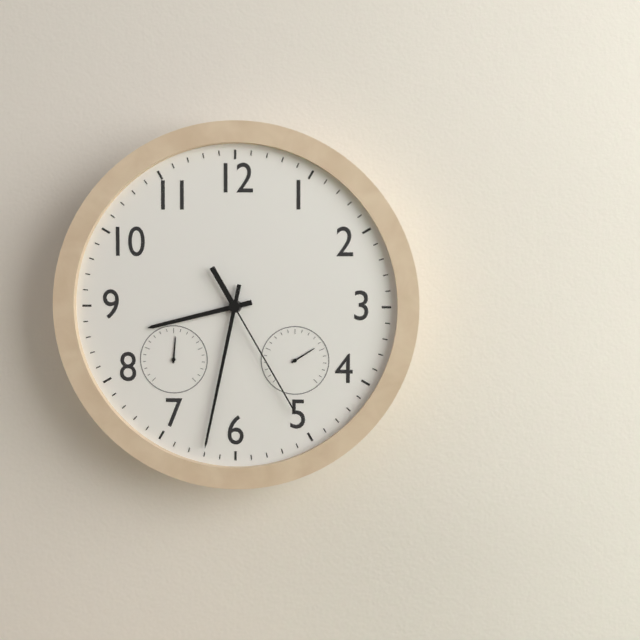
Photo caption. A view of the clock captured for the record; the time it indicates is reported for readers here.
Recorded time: 8:32:25
